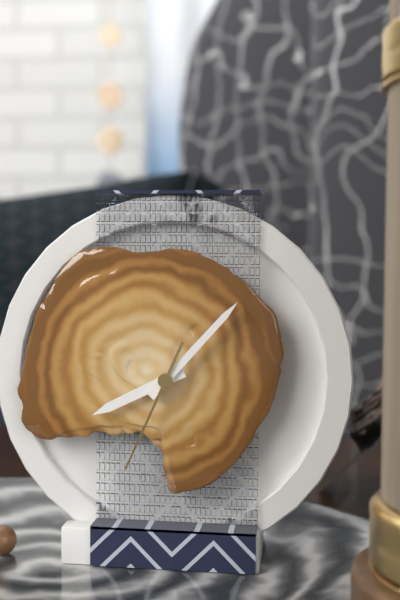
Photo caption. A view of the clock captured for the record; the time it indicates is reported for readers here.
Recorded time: 8:07:34
